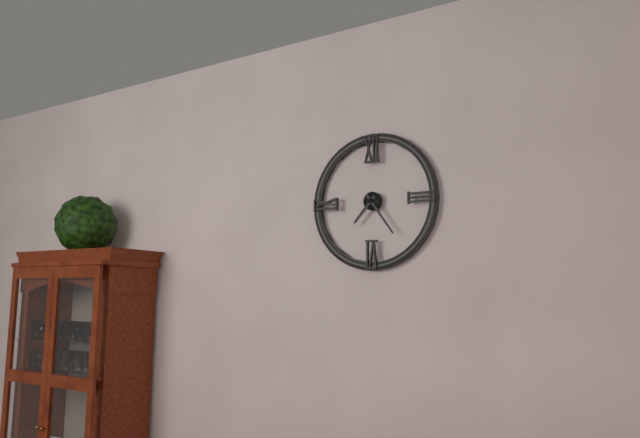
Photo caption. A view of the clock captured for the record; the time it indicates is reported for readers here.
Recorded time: 7:24
